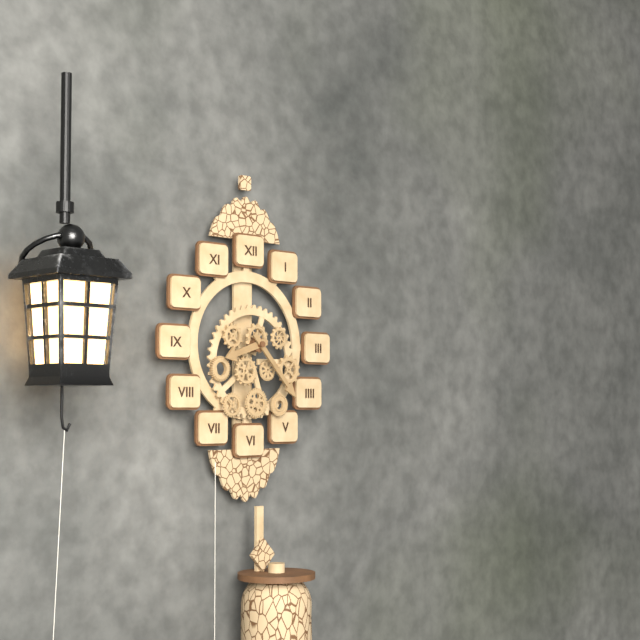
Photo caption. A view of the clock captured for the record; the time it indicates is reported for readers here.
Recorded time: 8:23
